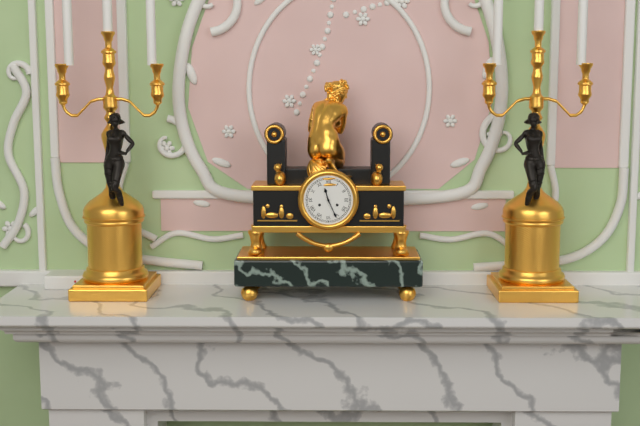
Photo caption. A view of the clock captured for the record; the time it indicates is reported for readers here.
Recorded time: 11:26
